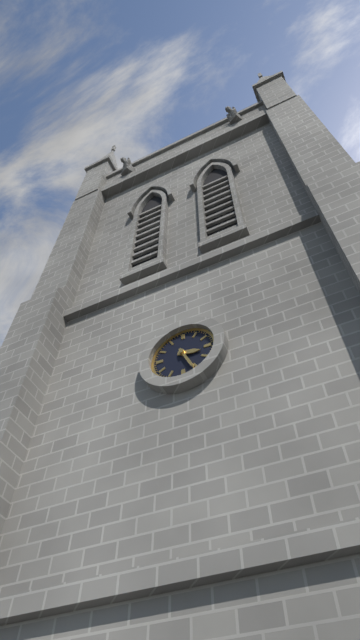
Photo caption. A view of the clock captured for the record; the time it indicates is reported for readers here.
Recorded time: 3:26
